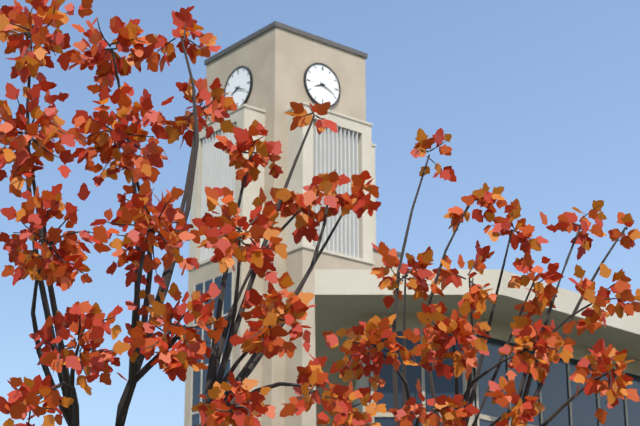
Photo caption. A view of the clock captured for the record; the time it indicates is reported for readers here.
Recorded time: 8:19
